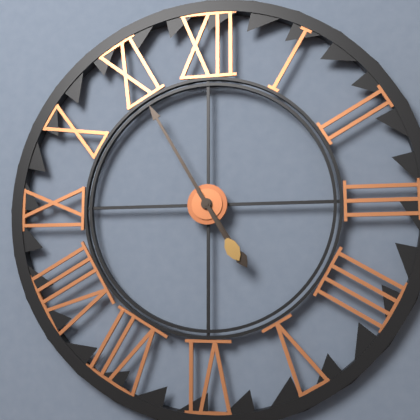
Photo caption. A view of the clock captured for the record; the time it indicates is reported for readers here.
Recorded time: 4:55
